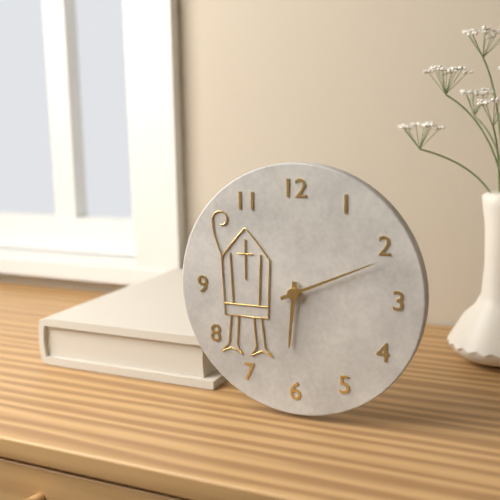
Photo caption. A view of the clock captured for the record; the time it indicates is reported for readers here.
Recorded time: 6:11
